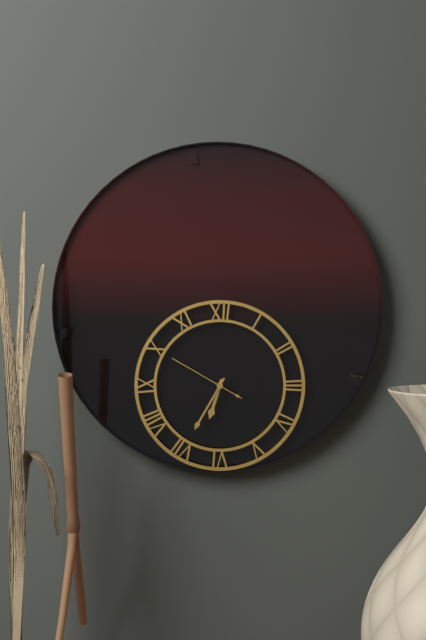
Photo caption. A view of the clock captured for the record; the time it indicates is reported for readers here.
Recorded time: 6:35:50
